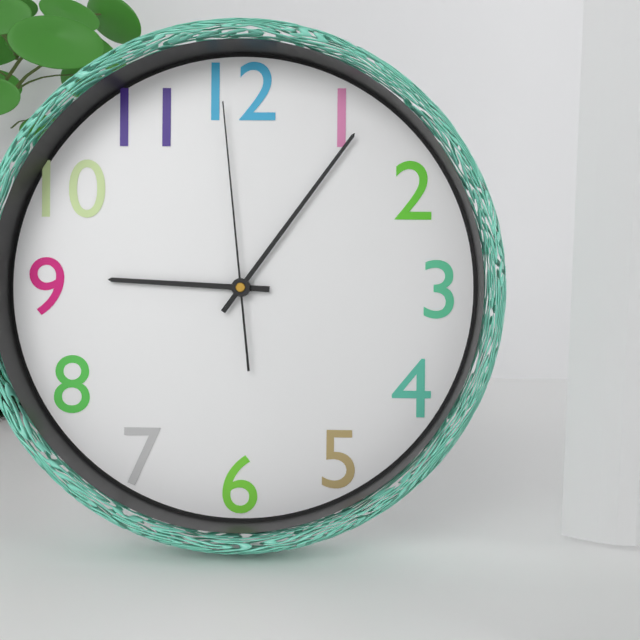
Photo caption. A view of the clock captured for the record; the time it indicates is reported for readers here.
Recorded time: 9:06:59
